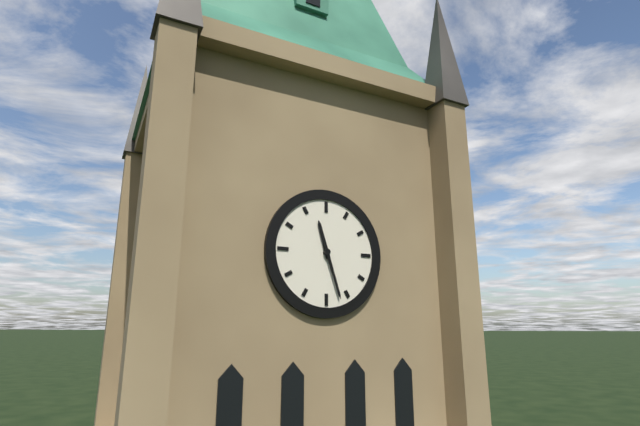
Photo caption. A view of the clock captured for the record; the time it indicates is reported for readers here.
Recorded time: 11:27
